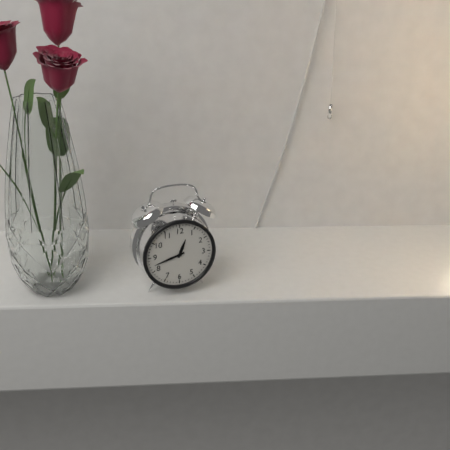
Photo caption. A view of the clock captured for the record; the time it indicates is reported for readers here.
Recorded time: 12:42
